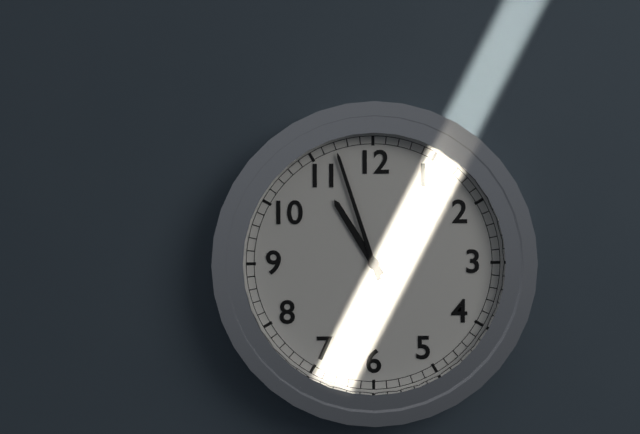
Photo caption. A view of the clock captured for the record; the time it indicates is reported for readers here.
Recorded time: 10:57
